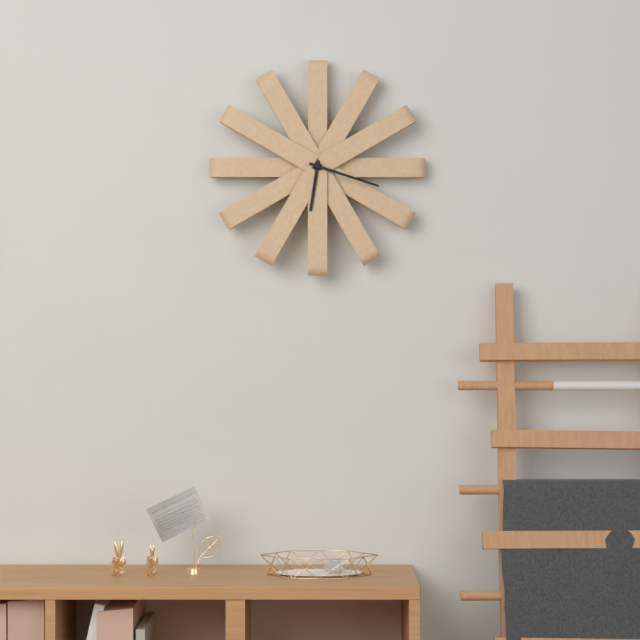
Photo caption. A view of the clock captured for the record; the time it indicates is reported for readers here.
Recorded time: 6:18
